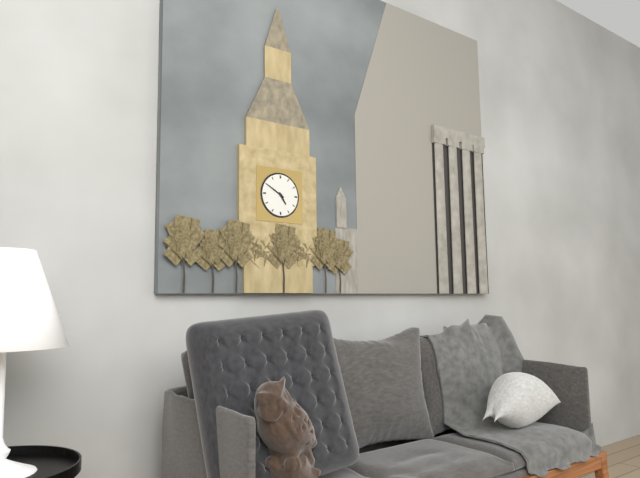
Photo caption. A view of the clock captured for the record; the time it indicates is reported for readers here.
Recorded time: 4:50
